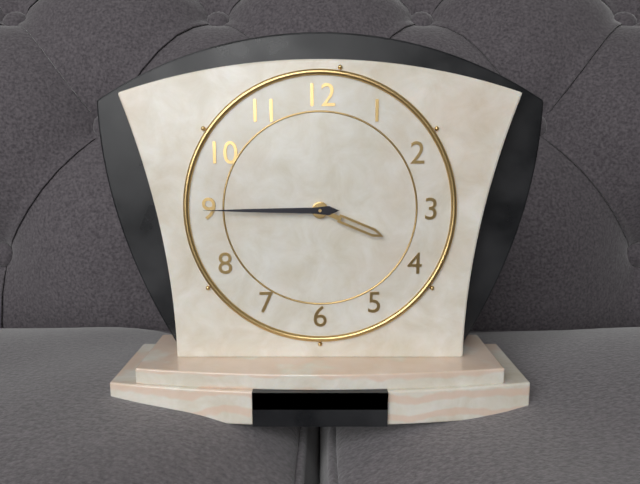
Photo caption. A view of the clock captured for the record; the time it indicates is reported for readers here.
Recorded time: 3:45
